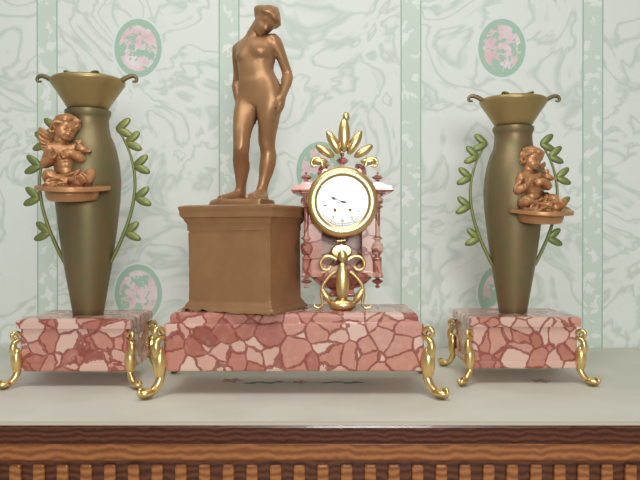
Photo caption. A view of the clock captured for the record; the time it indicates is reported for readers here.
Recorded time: 9:43
